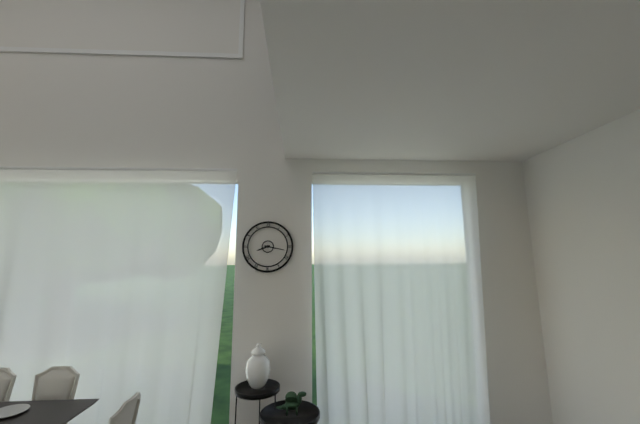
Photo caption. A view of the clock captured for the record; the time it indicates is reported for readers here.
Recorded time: 8:17
